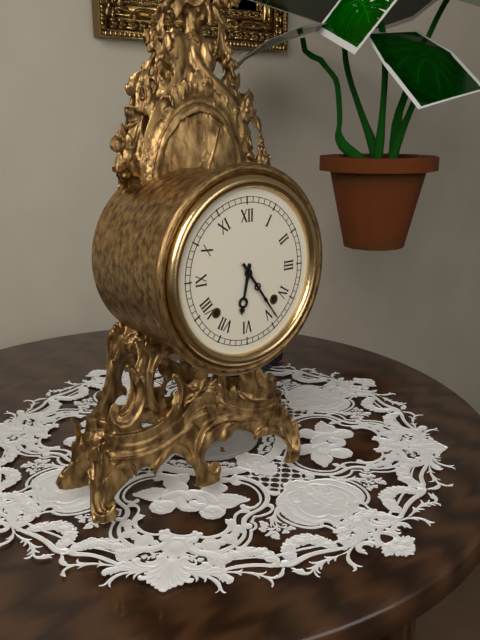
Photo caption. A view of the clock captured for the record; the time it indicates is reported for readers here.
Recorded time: 6:24
